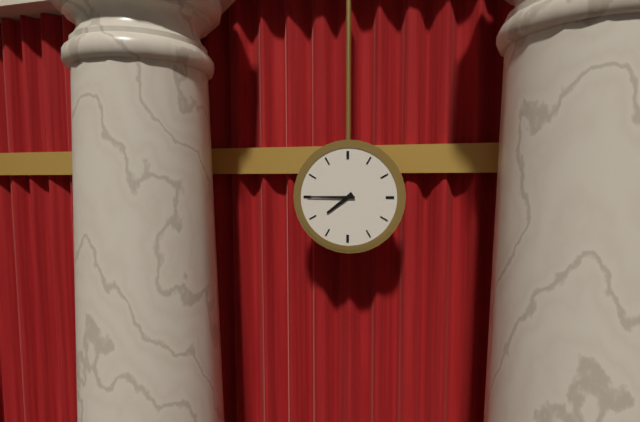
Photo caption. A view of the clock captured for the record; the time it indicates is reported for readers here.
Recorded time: 7:45
